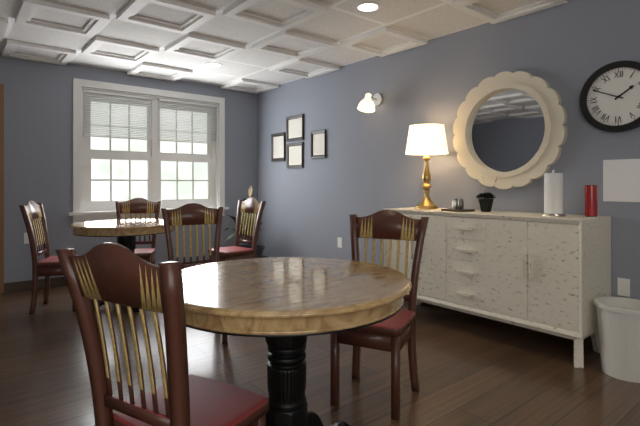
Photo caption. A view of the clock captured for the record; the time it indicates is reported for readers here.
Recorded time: 1:49
